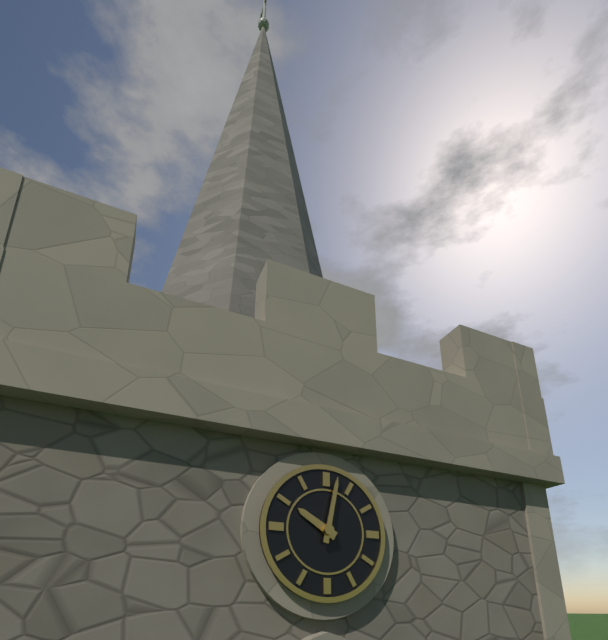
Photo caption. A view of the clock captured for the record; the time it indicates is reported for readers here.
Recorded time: 10:02
